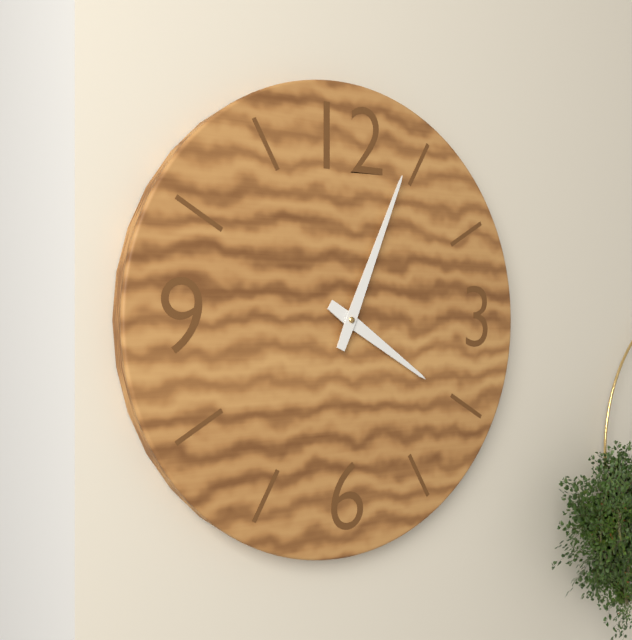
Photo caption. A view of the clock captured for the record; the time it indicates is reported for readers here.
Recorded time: 4:04
